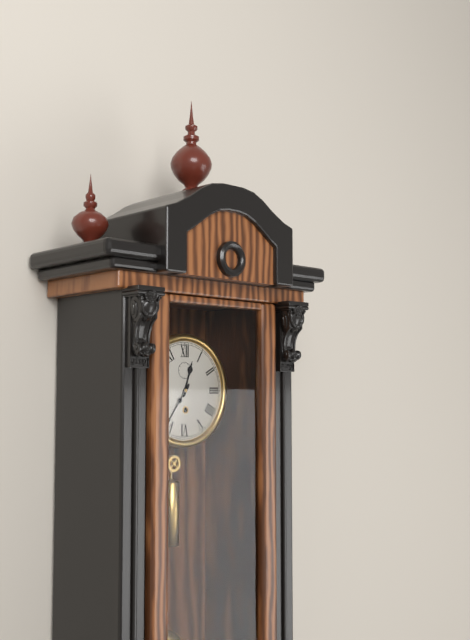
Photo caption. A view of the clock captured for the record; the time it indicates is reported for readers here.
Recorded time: 12:36
